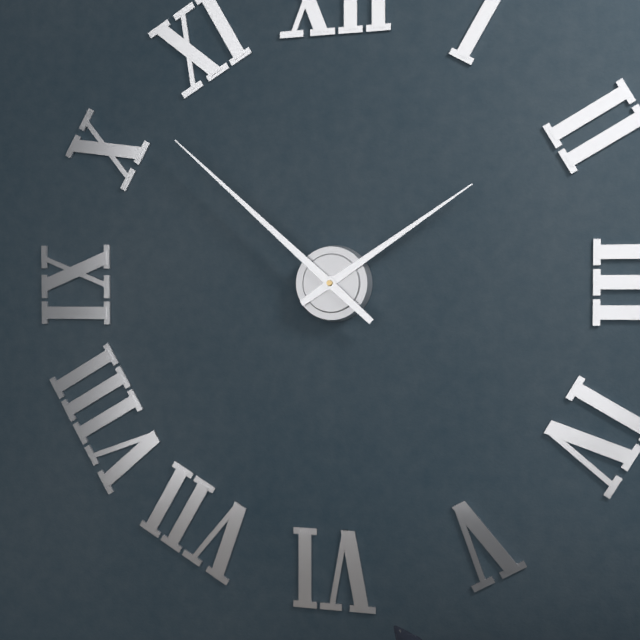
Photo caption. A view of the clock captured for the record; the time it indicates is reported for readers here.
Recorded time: 1:52
